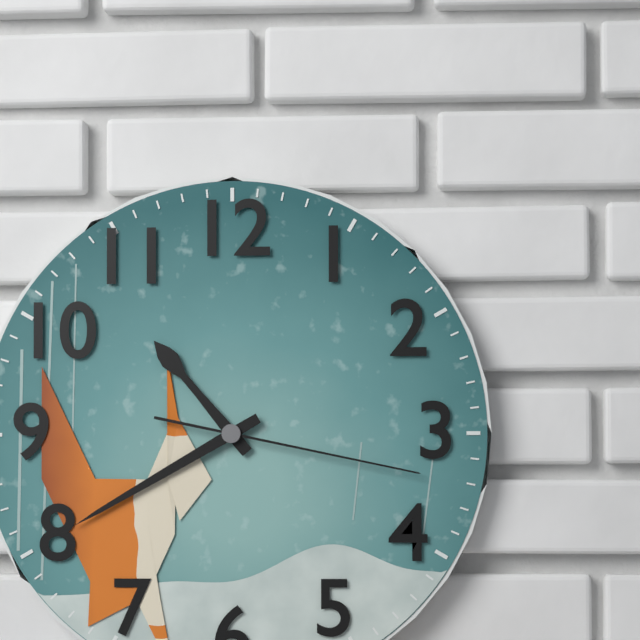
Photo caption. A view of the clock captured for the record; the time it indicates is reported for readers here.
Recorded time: 10:40:17
